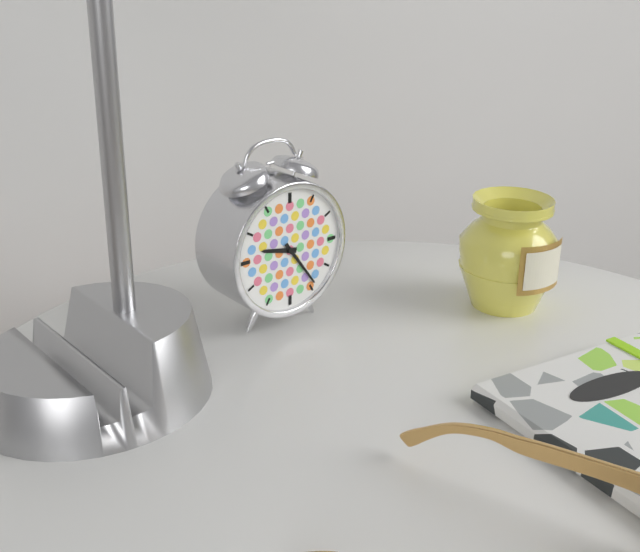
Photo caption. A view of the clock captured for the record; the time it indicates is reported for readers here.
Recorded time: 9:24
